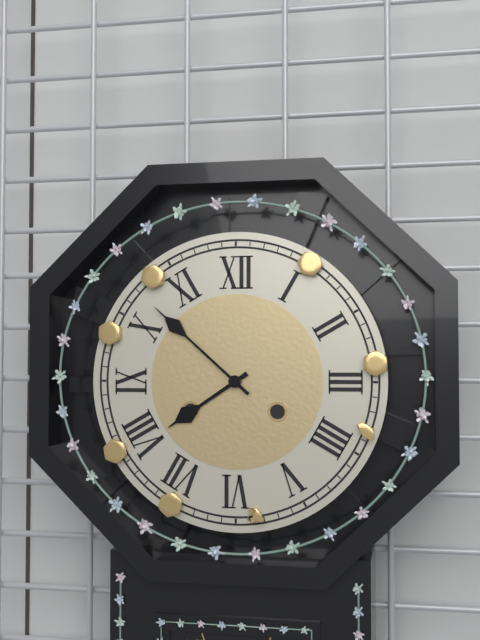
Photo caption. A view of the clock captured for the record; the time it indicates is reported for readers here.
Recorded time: 7:52
